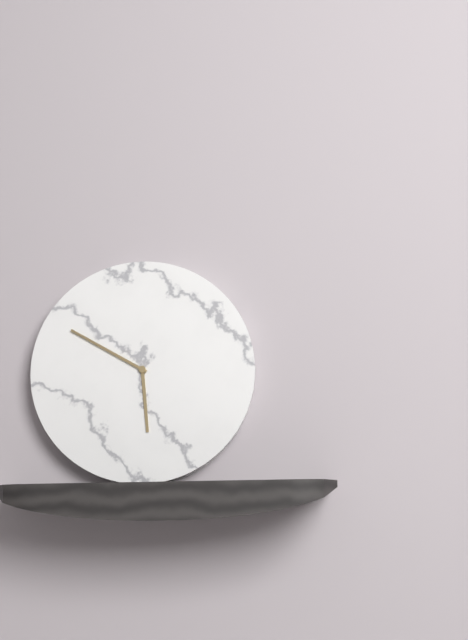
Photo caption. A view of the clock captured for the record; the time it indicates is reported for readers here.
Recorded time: 5:50
